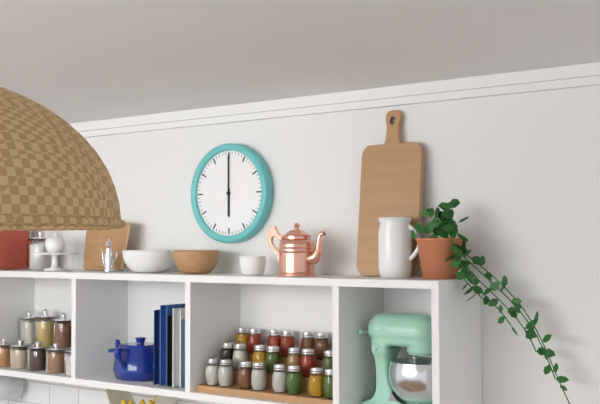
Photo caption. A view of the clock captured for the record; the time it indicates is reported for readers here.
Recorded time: 6:00
